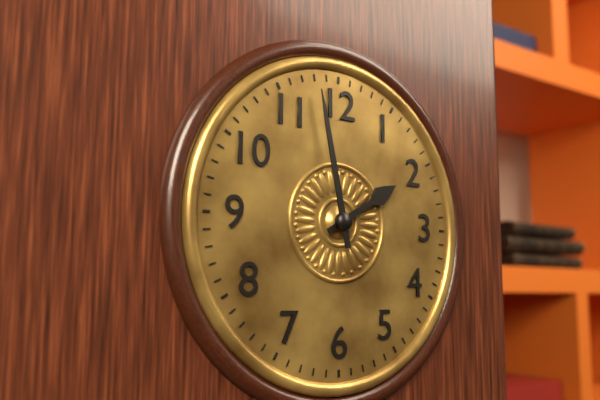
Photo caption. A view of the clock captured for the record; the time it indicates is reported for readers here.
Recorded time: 1:58
